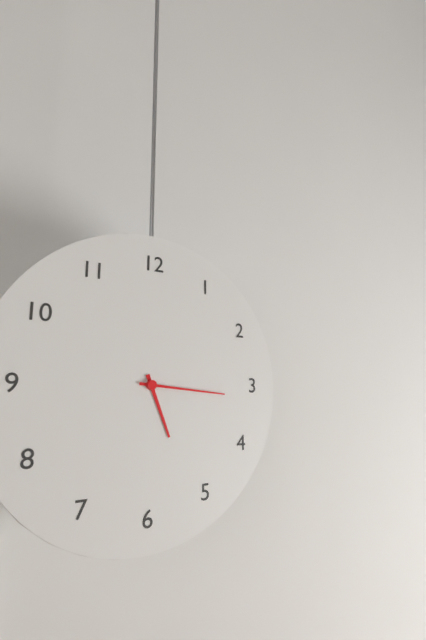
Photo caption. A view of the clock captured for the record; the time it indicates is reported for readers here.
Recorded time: 5:16
